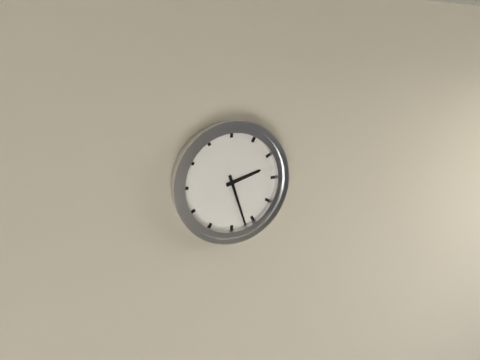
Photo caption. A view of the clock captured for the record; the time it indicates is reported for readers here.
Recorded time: 2:27
